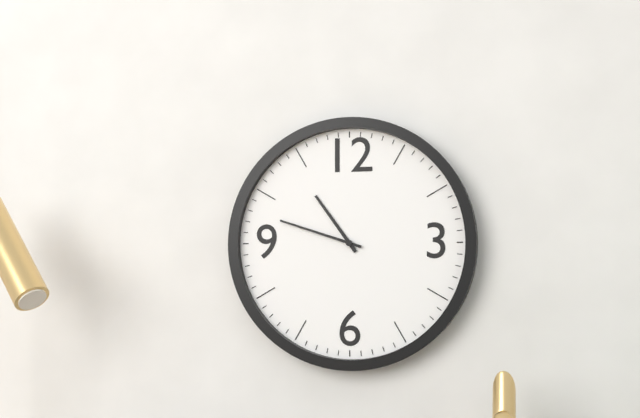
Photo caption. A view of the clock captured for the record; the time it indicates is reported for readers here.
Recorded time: 10:48
